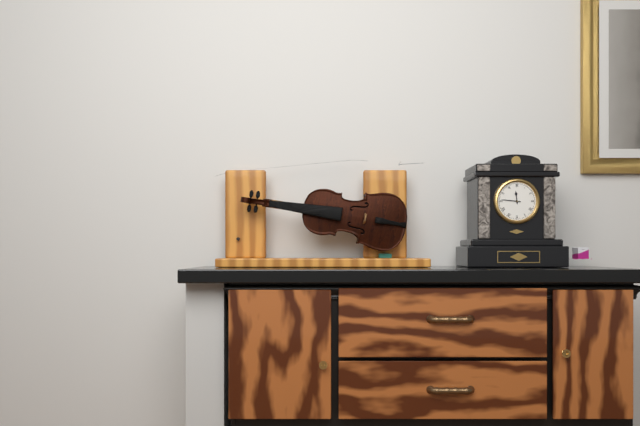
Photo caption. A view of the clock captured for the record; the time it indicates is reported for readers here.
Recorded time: 11:46
